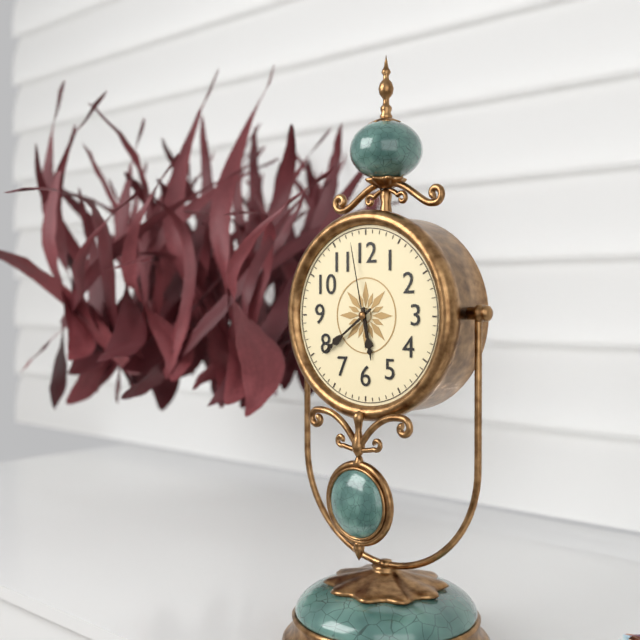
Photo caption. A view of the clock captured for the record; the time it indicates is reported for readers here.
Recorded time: 5:39:58
